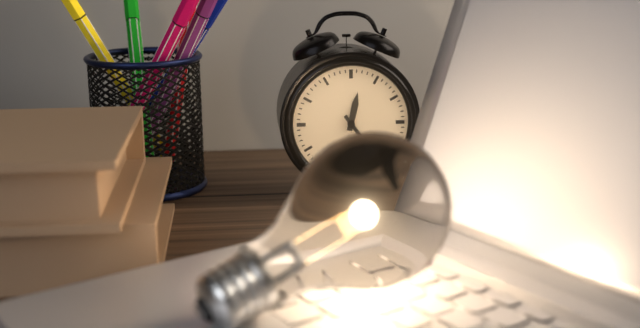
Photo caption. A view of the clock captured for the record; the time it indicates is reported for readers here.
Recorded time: 12:24
